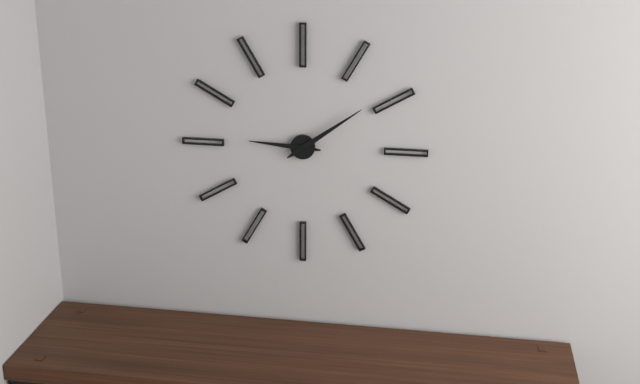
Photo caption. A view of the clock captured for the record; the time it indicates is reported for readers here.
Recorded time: 9:09
